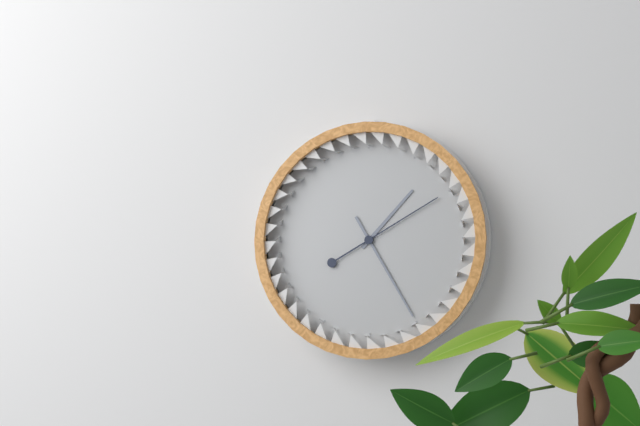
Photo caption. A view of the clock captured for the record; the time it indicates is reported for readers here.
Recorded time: 1:25:10
